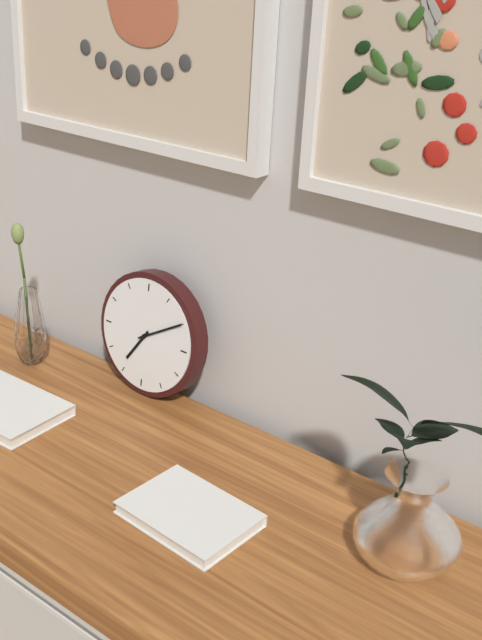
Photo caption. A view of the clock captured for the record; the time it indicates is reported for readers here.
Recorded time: 7:10
